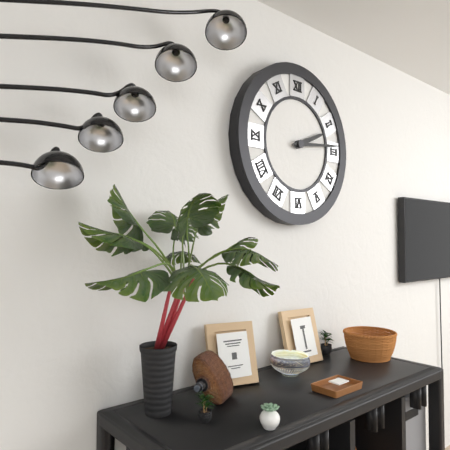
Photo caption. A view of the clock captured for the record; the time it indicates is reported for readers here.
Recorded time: 2:14
